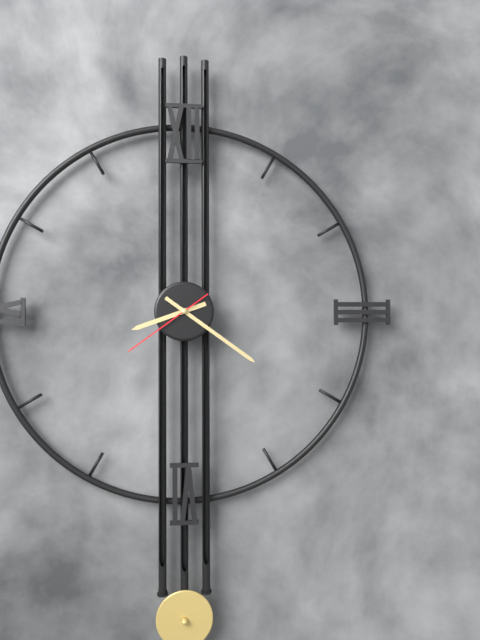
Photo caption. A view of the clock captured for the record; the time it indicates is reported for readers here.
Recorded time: 8:21:39
